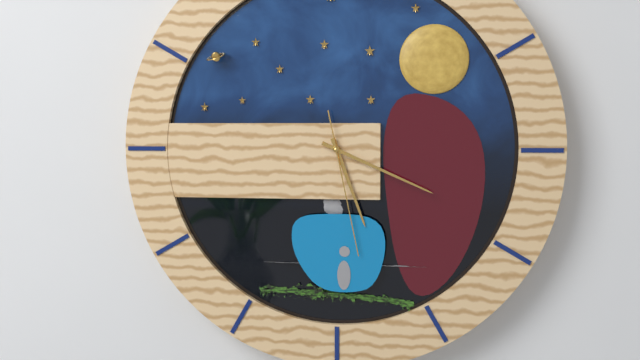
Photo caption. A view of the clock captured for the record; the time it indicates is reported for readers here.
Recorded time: 5:19:28
